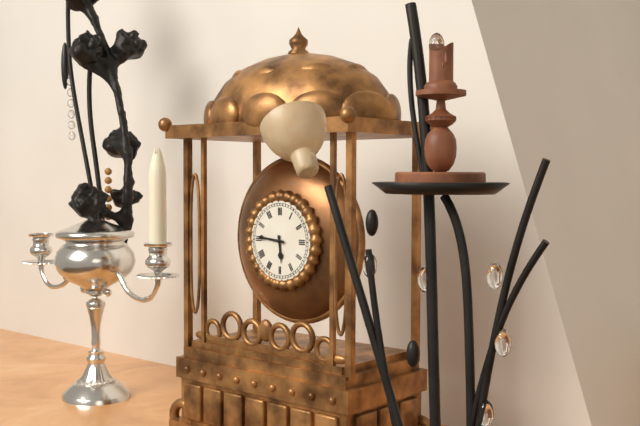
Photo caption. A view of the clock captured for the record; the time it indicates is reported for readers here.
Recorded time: 5:46
